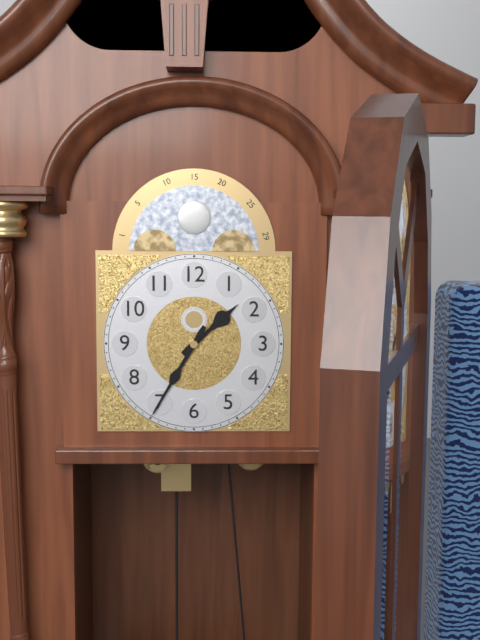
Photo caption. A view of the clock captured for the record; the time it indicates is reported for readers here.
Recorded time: 1:35
